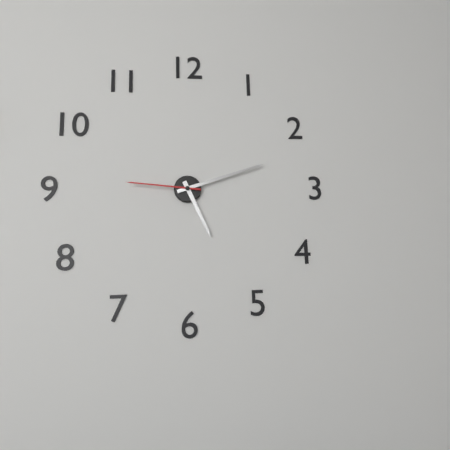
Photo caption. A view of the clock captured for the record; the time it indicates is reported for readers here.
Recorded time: 5:12:46
